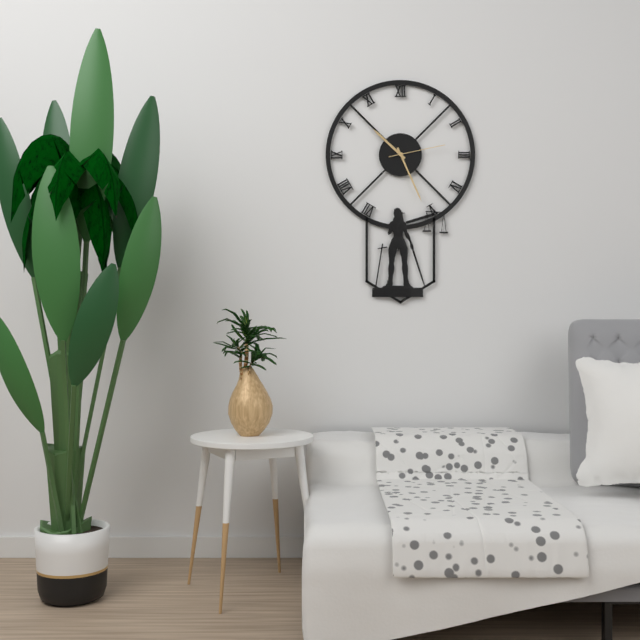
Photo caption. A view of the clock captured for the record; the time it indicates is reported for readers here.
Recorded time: 10:26:13
